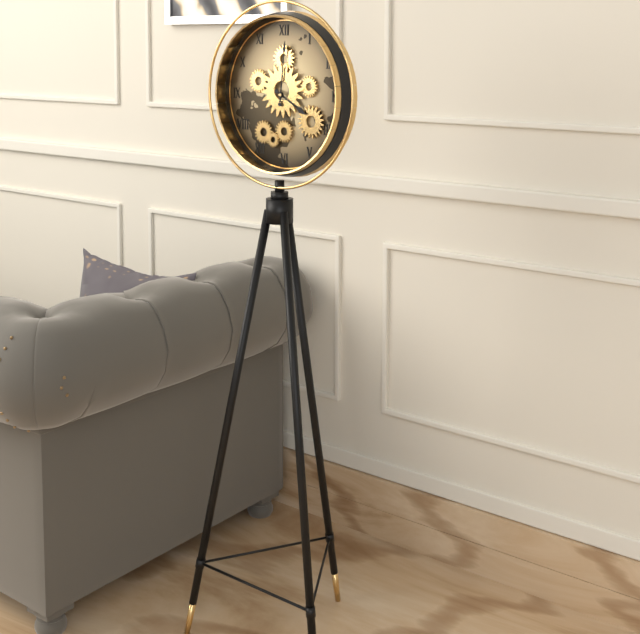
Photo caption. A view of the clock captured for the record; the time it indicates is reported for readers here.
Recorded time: 4:01
